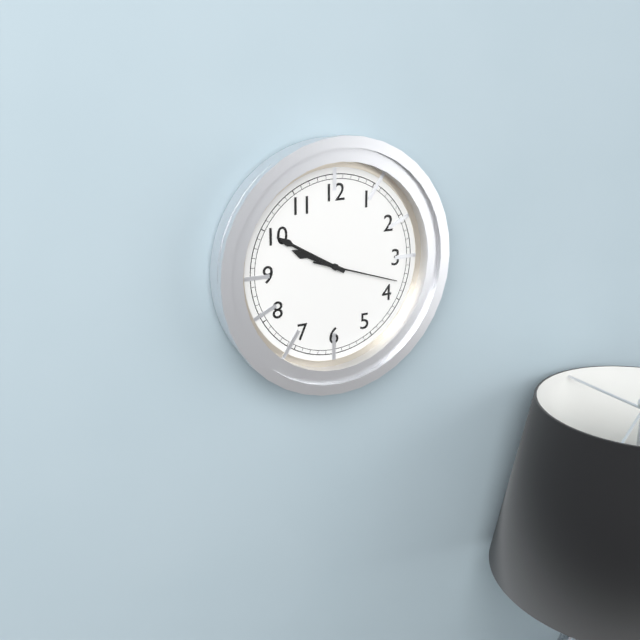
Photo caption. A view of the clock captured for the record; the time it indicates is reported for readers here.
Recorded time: 9:50:18
